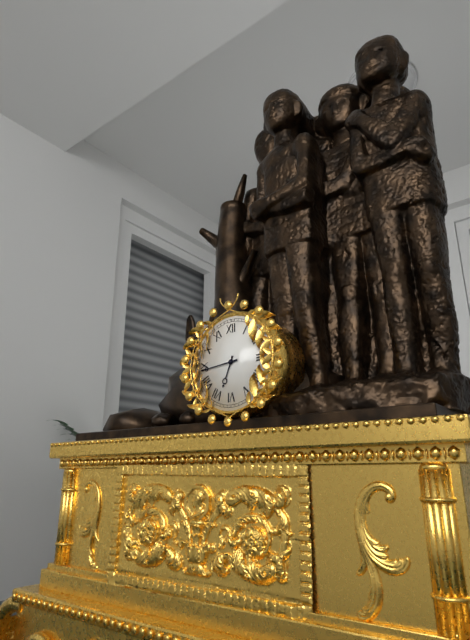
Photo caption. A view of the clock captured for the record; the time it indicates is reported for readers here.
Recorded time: 6:44
